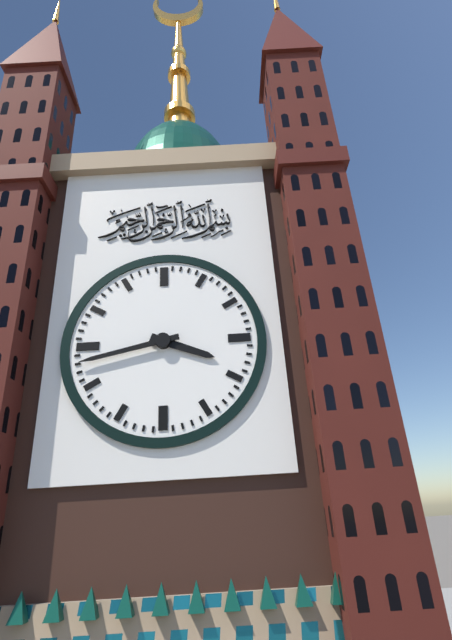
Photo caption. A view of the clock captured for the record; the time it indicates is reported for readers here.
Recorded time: 3:43
